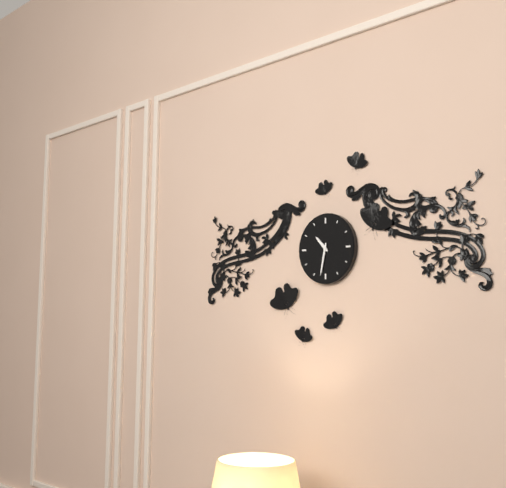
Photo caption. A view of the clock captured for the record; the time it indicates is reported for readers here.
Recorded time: 10:32
